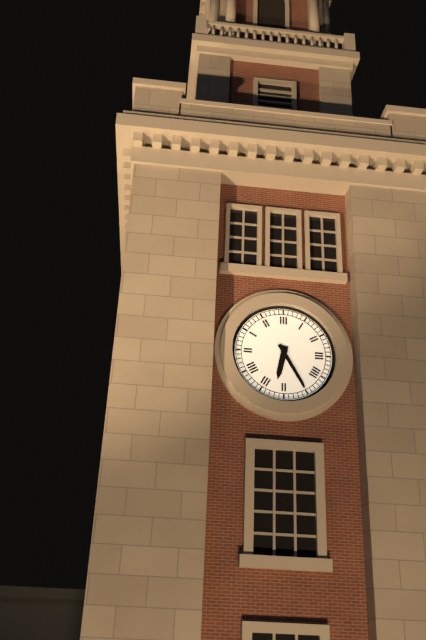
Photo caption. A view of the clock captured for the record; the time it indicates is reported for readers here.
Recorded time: 6:25
